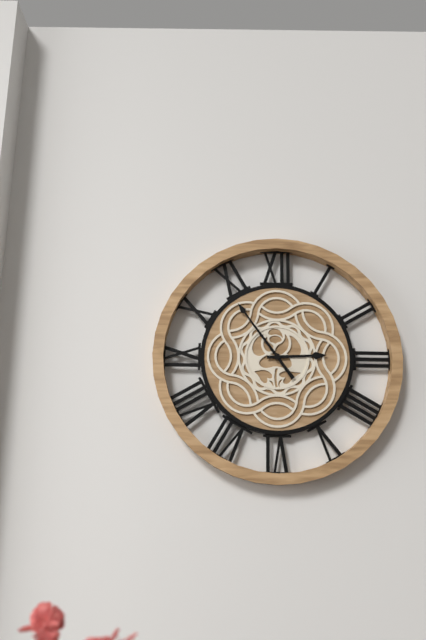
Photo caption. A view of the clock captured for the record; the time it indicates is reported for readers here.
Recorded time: 2:54
